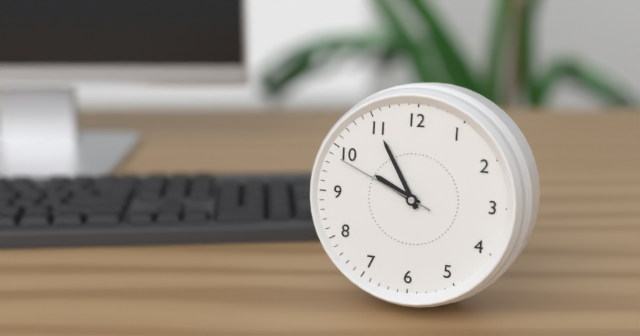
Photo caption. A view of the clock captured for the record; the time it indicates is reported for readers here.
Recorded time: 9:55:49
